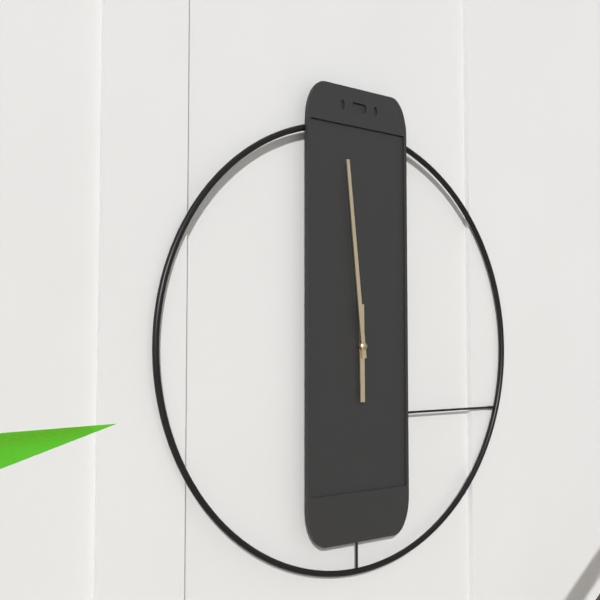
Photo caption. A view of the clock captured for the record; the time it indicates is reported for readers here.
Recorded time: 5:59
